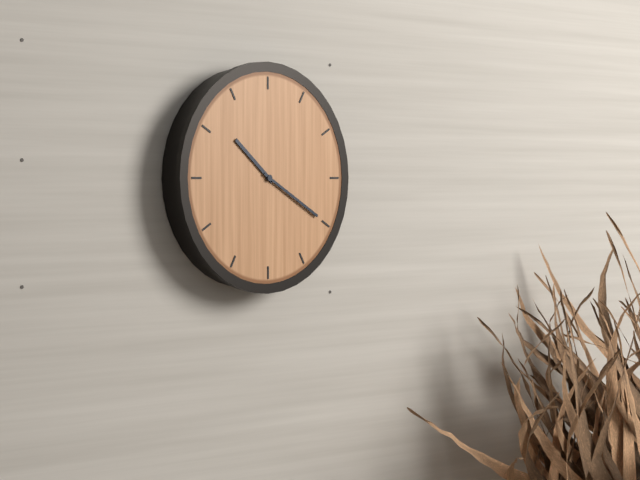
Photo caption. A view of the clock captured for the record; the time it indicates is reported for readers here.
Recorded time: 10:20
